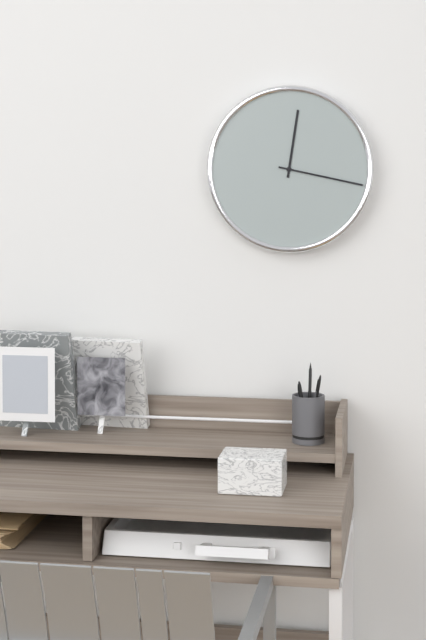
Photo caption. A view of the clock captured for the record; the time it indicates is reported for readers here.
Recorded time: 12:17
